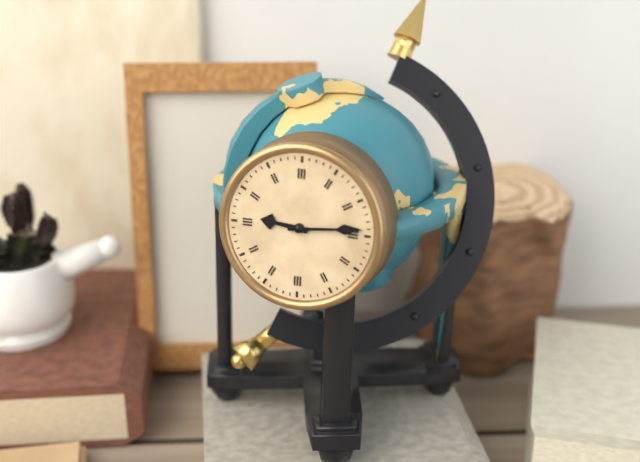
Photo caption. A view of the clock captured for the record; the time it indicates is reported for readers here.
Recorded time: 9:14
